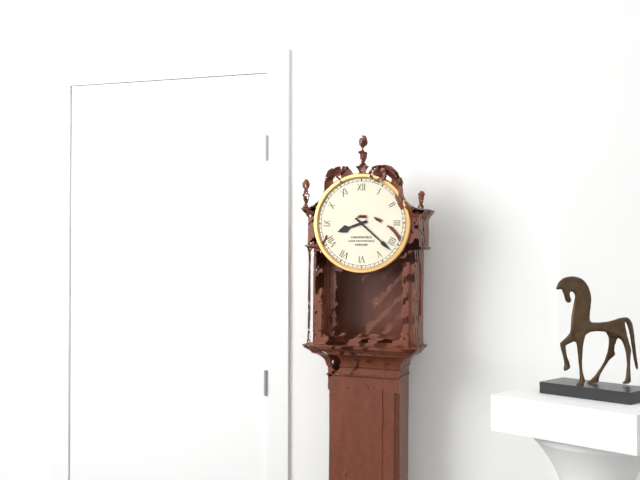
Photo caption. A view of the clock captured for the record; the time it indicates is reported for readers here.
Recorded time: 8:22
